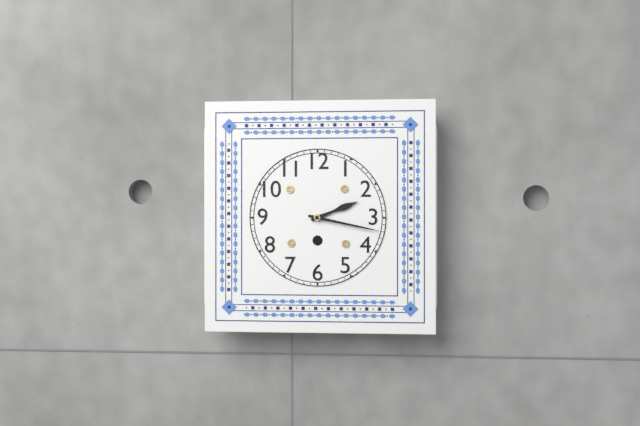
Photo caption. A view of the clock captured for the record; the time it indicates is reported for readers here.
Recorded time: 2:17
